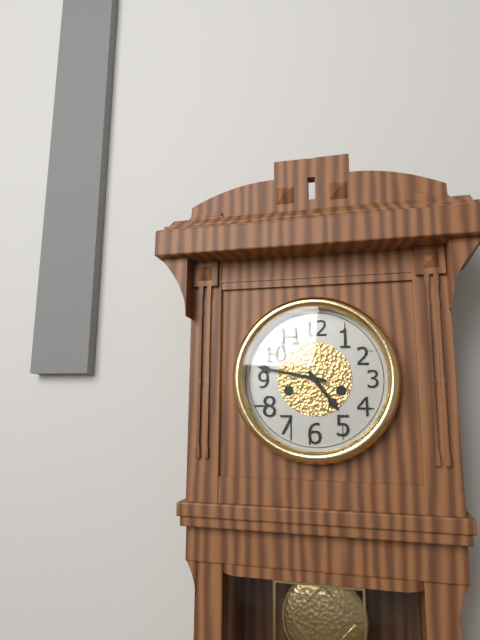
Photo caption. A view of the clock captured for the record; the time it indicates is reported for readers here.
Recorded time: 4:47
